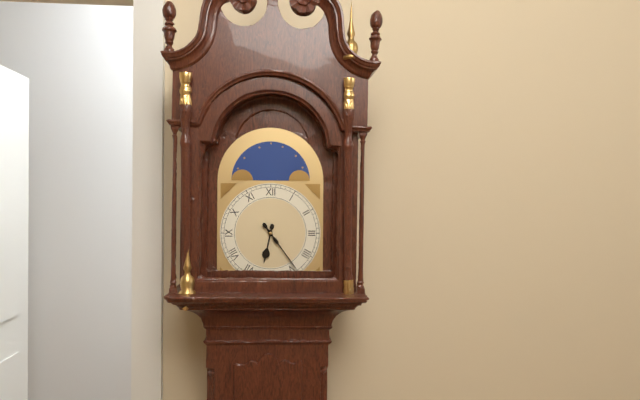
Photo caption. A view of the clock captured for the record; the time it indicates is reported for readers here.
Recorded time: 6:24
